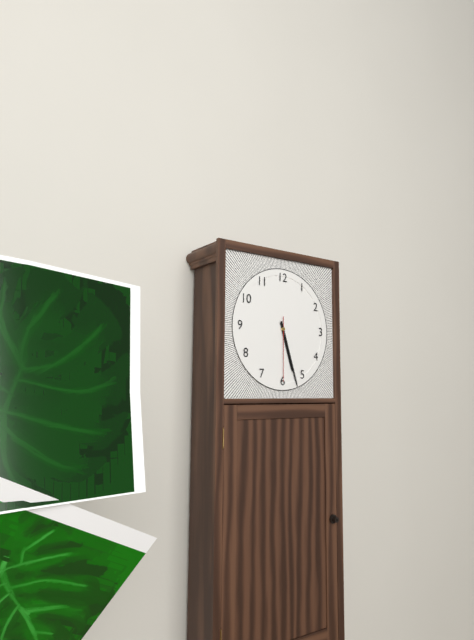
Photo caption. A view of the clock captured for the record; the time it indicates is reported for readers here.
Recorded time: 5:27:30
